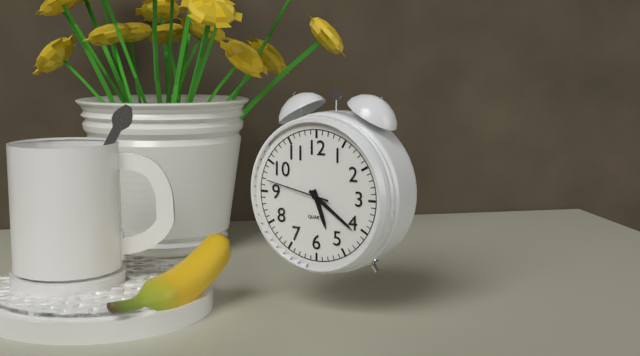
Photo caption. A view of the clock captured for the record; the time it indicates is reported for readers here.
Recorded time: 5:21:47
